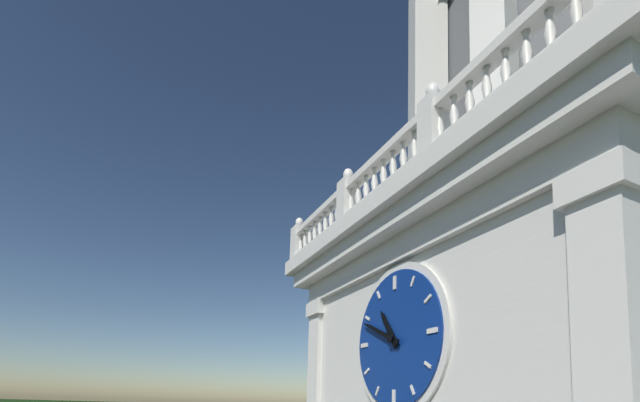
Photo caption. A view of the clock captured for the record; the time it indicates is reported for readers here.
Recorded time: 10:49
